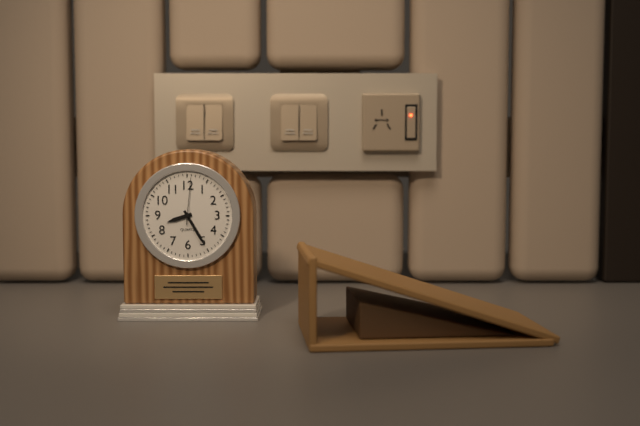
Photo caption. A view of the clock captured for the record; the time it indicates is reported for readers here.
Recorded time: 8:25
